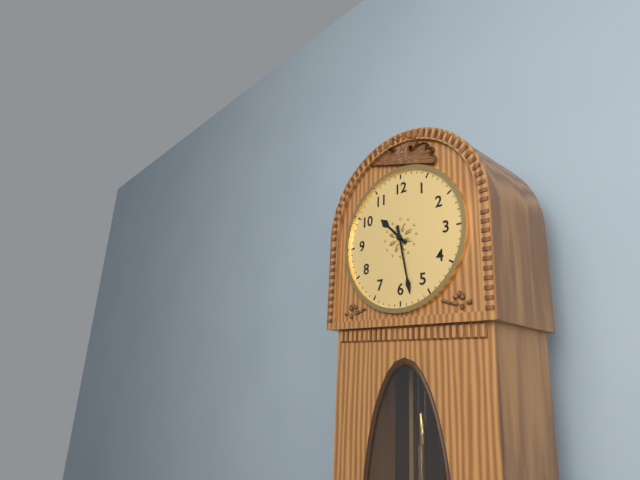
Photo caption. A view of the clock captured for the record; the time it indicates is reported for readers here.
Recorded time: 10:28
